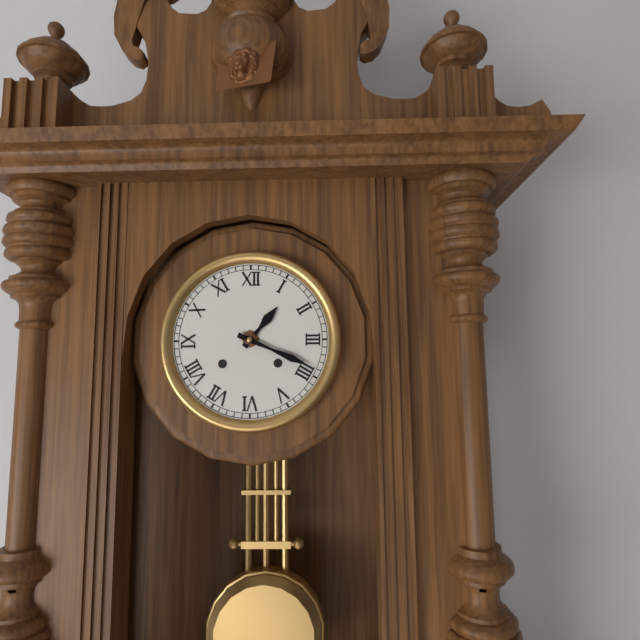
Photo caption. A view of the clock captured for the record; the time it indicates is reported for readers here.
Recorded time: 1:19
